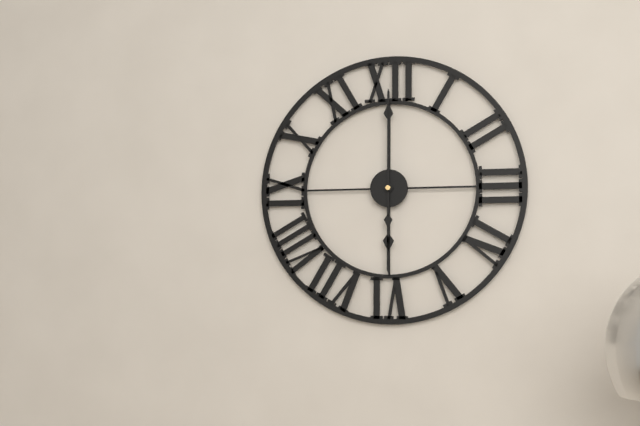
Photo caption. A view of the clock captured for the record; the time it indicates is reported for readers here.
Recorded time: 6:00
